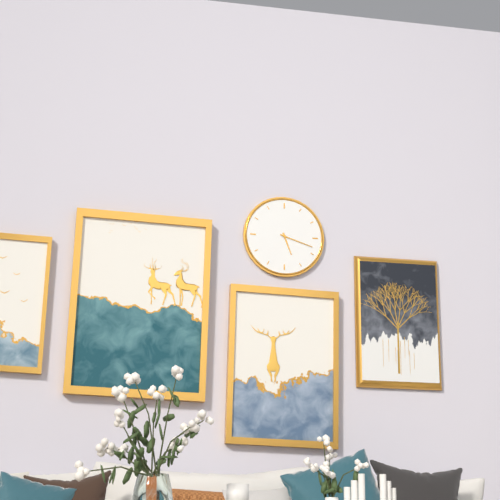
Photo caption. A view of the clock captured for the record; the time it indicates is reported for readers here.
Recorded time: 5:18
